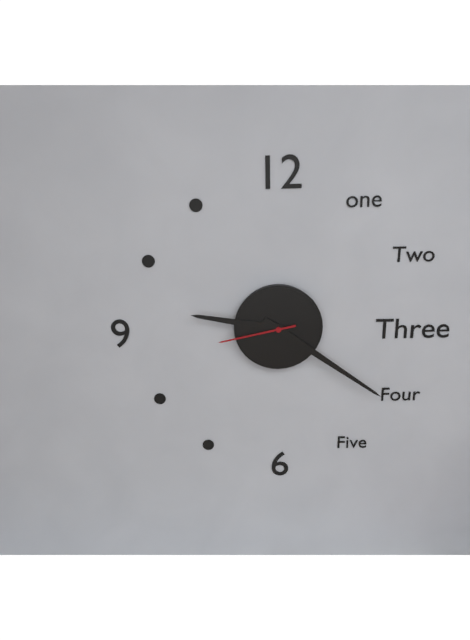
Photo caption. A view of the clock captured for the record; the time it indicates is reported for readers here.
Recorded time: 9:21:43
